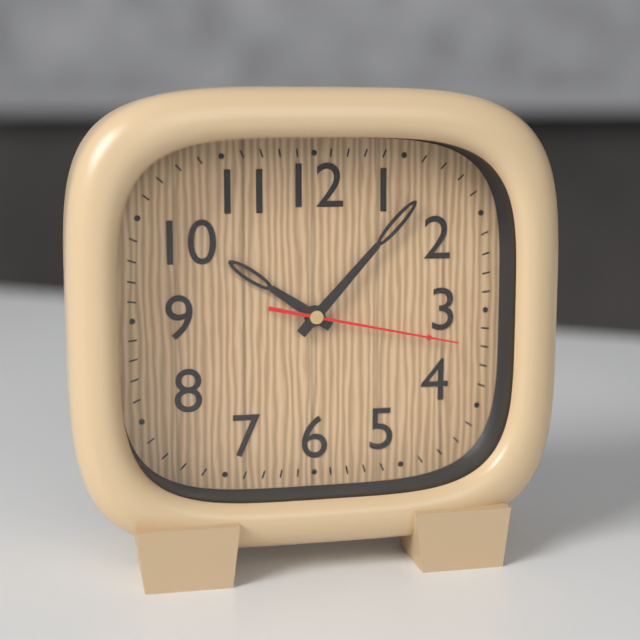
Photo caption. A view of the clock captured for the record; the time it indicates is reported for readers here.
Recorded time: 10:07:17
